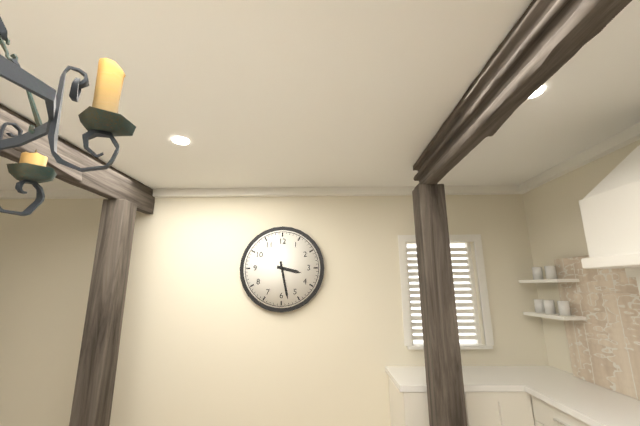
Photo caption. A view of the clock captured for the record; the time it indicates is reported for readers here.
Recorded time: 3:28
